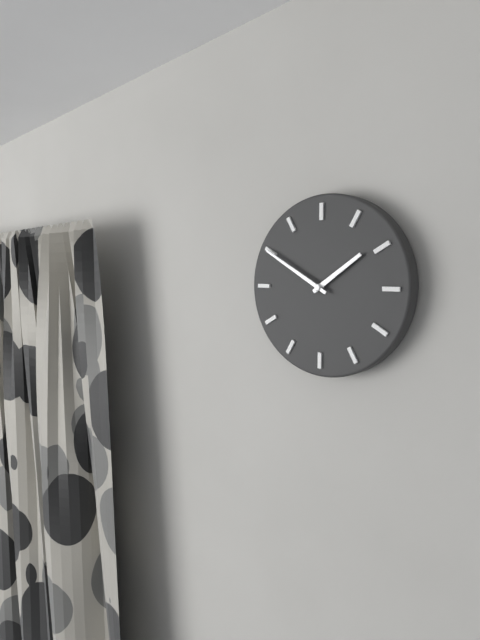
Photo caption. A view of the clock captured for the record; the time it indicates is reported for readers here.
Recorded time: 1:50
